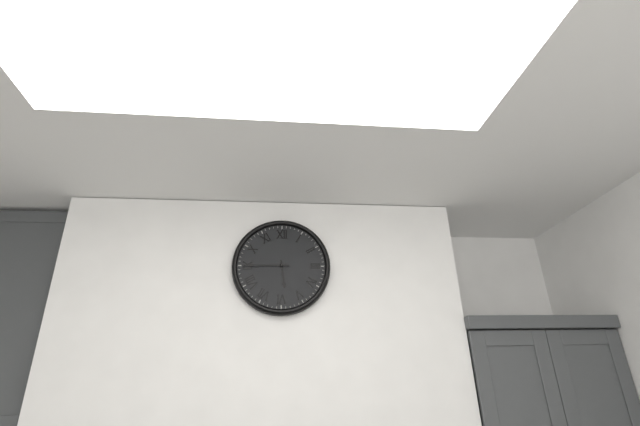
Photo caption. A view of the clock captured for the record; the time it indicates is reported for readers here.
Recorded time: 5:45
